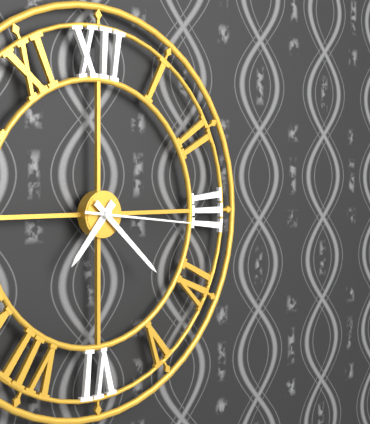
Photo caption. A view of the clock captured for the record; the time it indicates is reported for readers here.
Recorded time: 7:22:16
